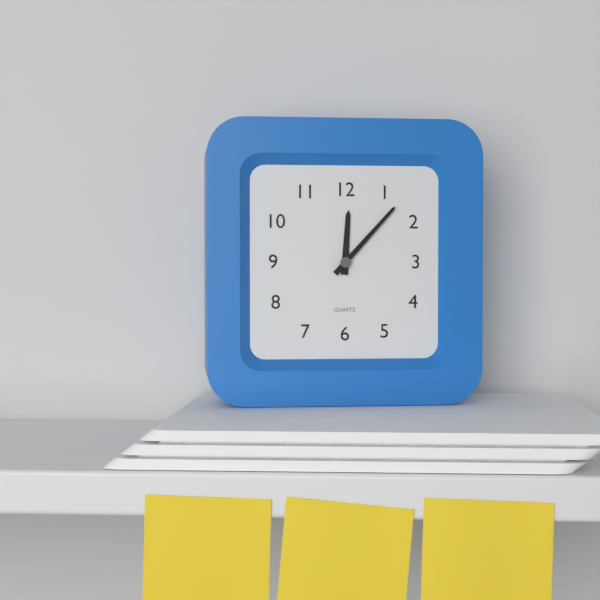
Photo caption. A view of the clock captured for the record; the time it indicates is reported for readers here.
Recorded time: 12:07
